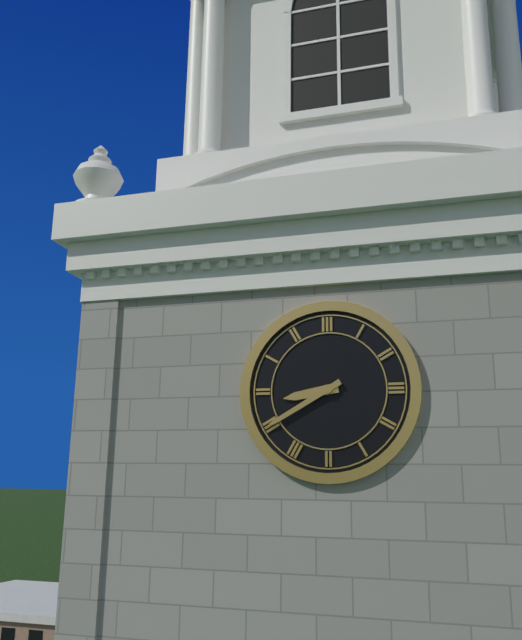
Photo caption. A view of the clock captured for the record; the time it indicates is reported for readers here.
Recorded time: 8:40
